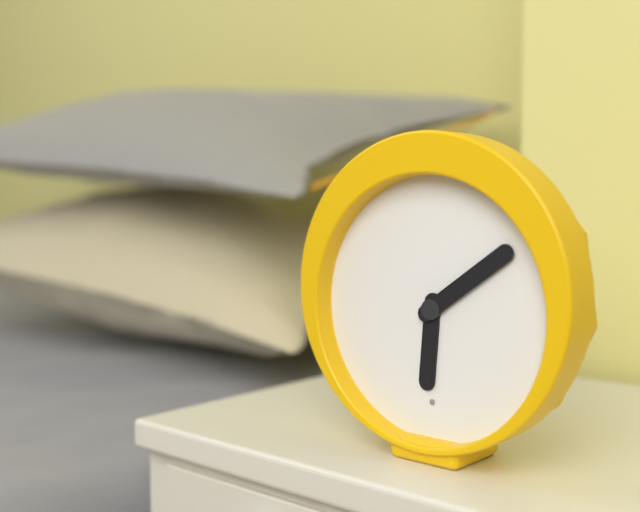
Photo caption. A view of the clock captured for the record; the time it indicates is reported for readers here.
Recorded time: 6:09
